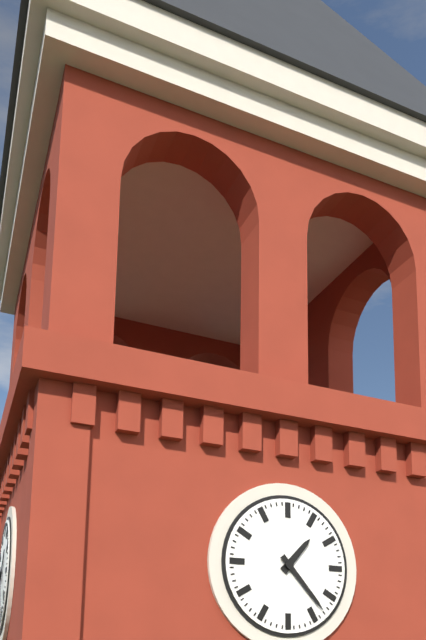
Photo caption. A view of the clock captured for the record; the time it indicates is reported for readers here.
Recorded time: 1:23
